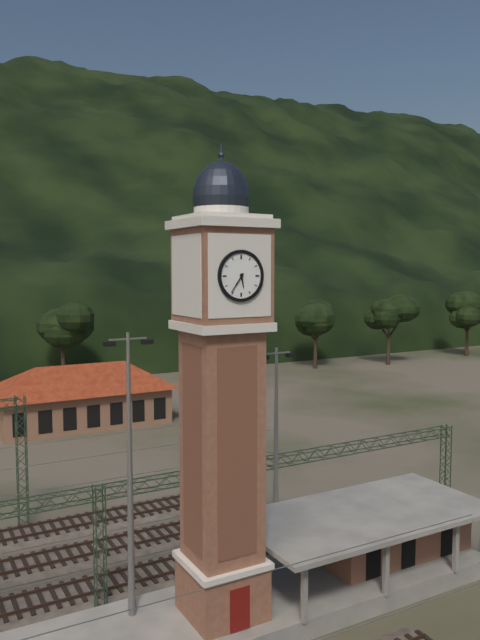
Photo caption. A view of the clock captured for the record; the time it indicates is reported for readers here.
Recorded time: 5:36
